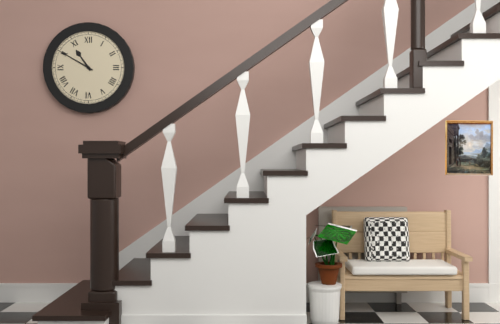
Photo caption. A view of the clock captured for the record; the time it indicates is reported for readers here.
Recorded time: 10:50
